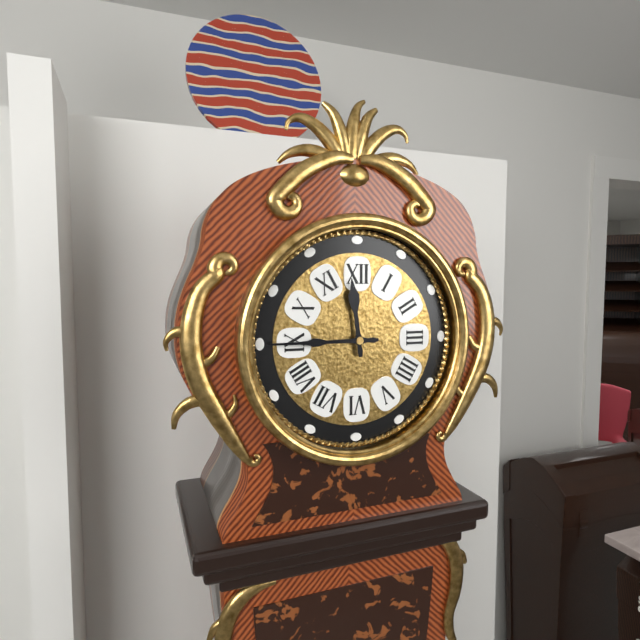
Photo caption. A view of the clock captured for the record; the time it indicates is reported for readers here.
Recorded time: 11:45
